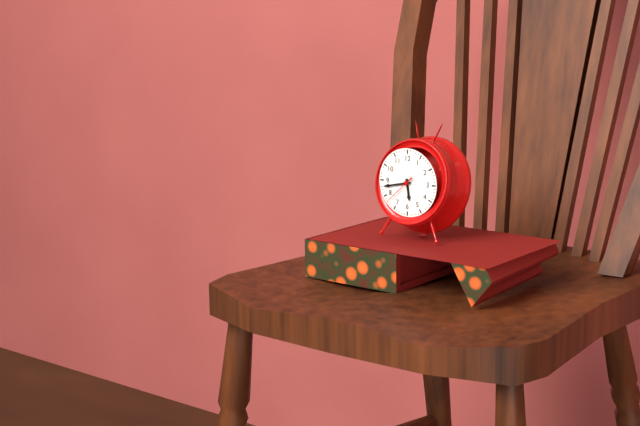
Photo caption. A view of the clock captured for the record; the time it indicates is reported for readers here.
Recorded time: 5:43
